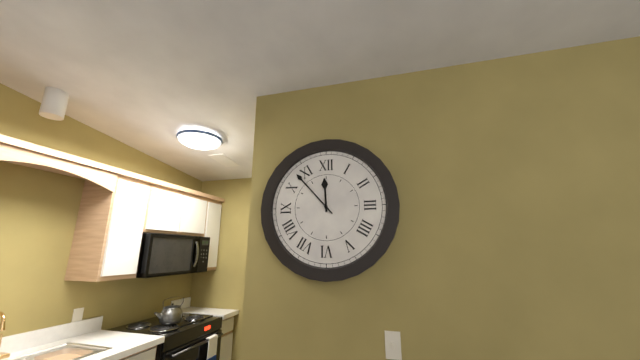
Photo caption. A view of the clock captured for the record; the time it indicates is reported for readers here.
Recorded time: 11:53
